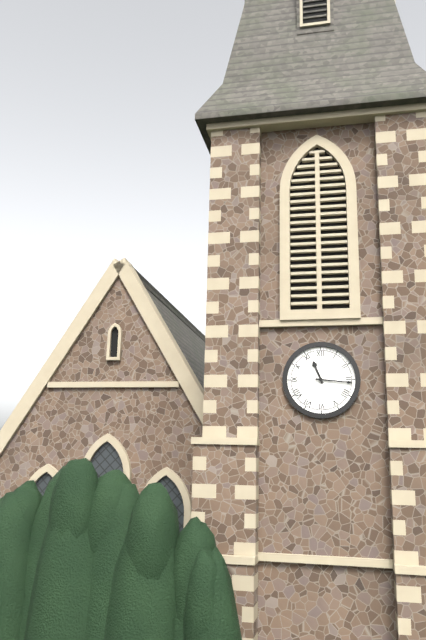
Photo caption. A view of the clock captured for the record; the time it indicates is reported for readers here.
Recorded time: 11:16
